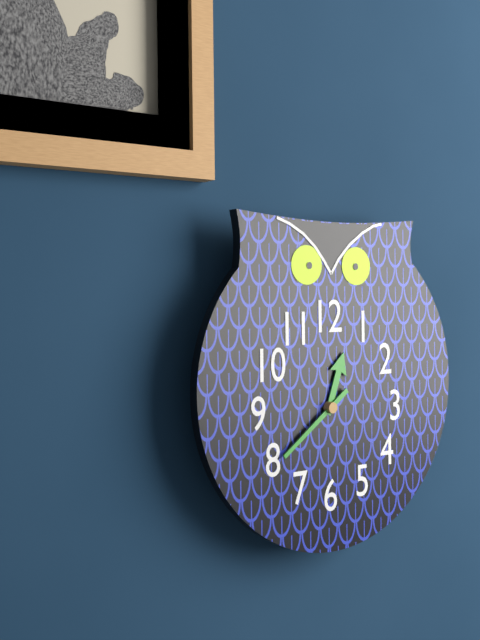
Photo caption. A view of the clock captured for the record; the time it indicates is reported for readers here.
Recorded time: 12:39
